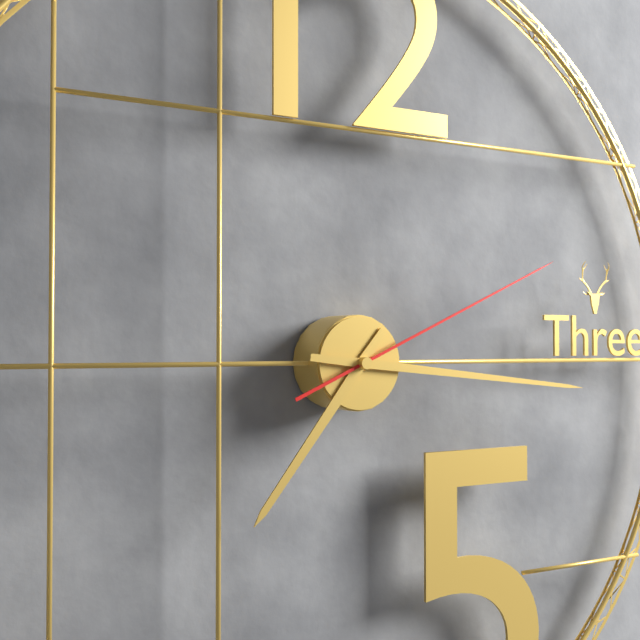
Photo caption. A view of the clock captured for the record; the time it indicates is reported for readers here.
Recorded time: 7:16:11
